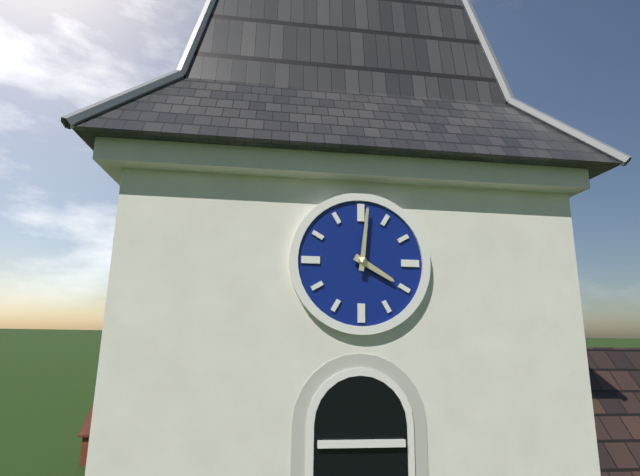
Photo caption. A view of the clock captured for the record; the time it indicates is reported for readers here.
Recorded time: 4:01
